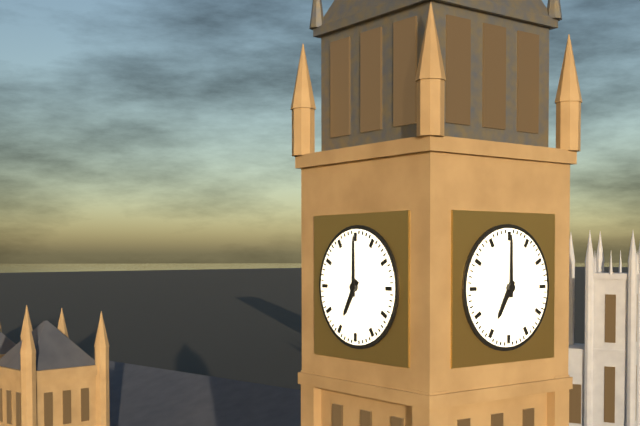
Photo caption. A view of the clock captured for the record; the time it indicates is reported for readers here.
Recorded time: 7:00
